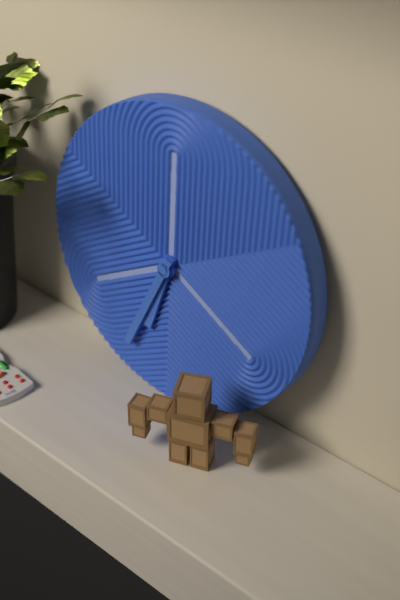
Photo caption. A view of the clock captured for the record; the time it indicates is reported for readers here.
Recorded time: 6:34
